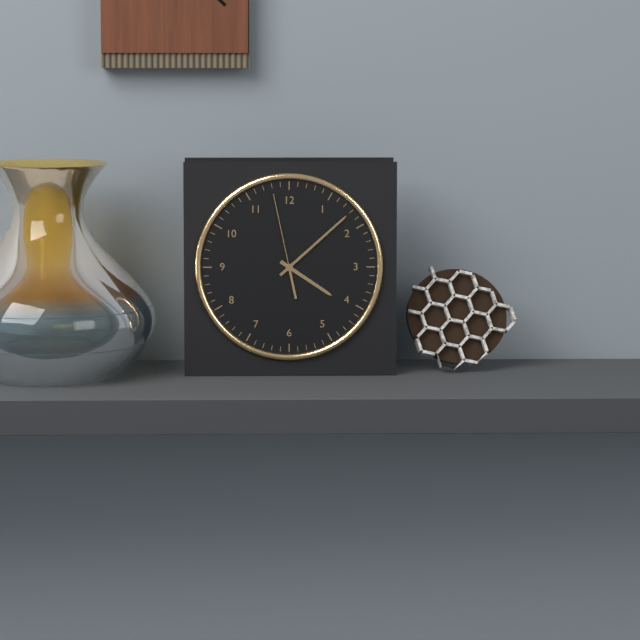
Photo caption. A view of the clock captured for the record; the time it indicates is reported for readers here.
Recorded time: 4:08:58
